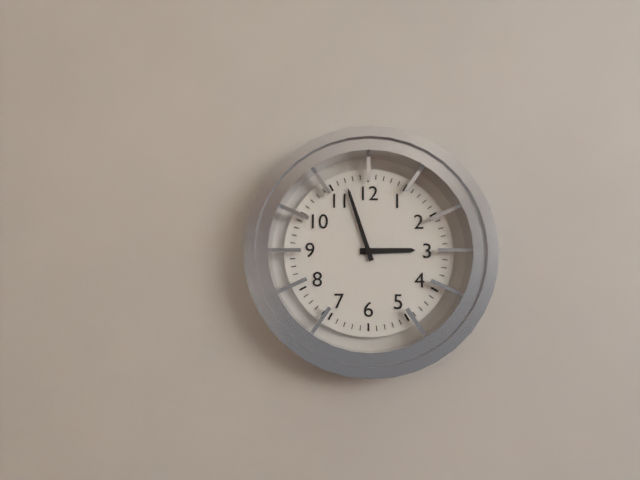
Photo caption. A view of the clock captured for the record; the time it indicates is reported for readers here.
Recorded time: 2:57
